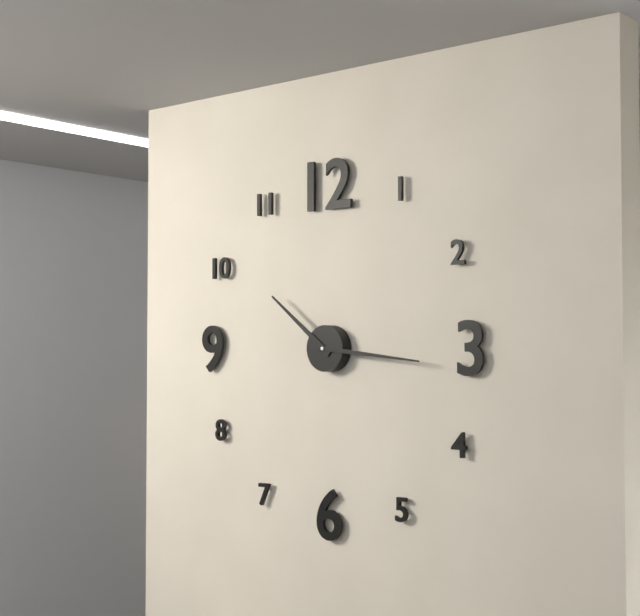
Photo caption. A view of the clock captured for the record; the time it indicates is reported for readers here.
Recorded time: 10:16
